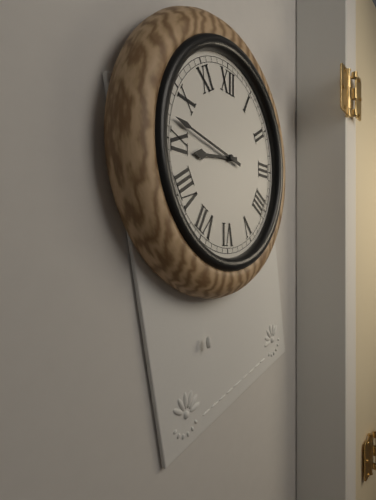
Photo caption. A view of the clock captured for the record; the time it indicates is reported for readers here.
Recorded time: 8:47
